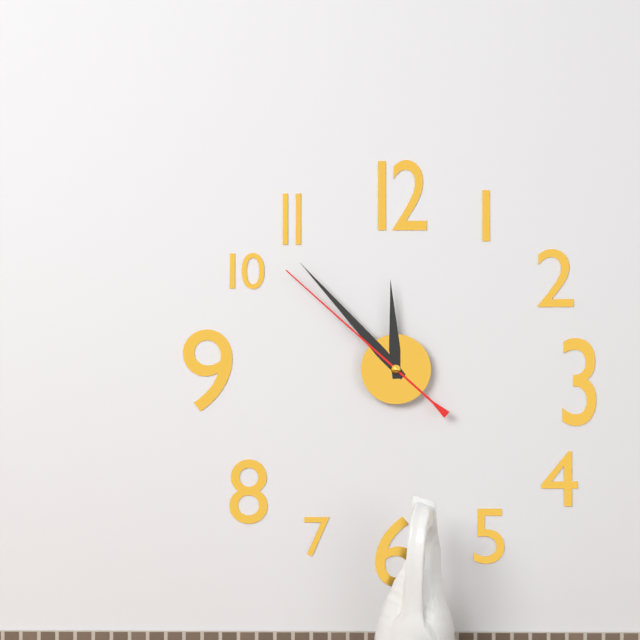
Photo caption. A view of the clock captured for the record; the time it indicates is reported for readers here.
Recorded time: 11:53:52
